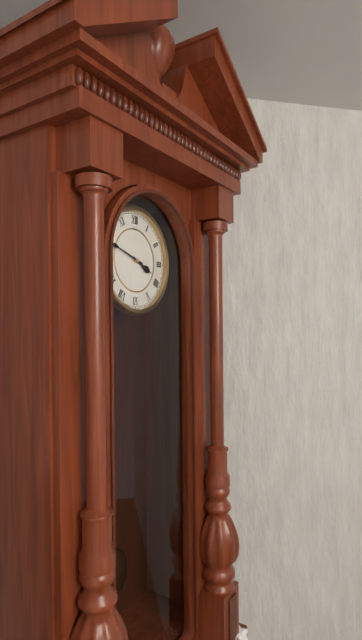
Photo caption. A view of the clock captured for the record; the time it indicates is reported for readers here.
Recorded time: 3:48
